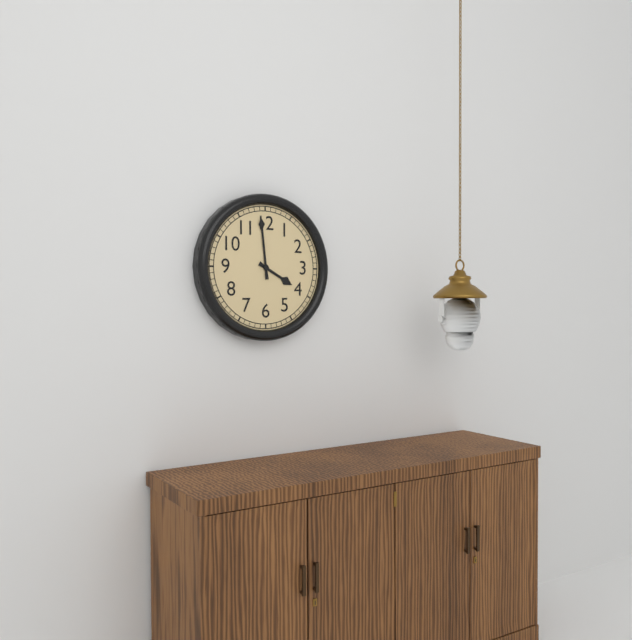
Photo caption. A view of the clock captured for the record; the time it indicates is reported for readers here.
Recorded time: 3:59
